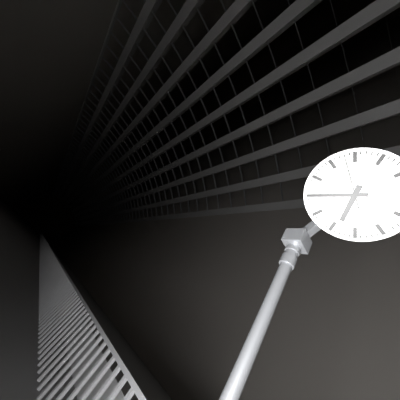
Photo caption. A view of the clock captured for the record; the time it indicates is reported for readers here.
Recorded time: 6:45
